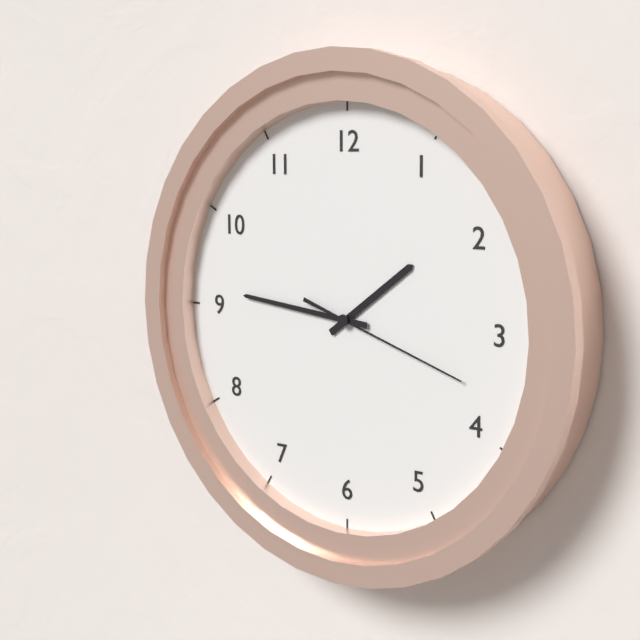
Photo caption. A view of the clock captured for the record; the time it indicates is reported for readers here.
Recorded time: 1:46:18
